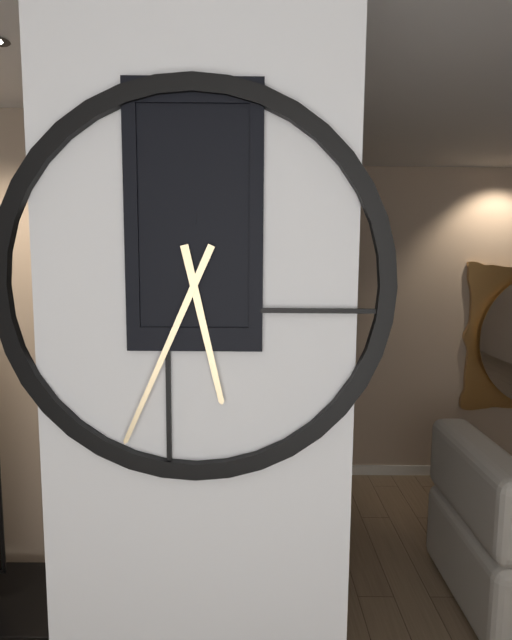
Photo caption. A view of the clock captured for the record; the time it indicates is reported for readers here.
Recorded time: 5:34
